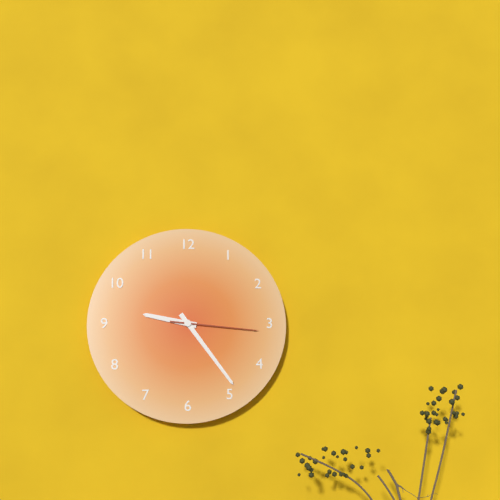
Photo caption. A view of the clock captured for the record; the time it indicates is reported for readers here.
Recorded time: 9:24:16
